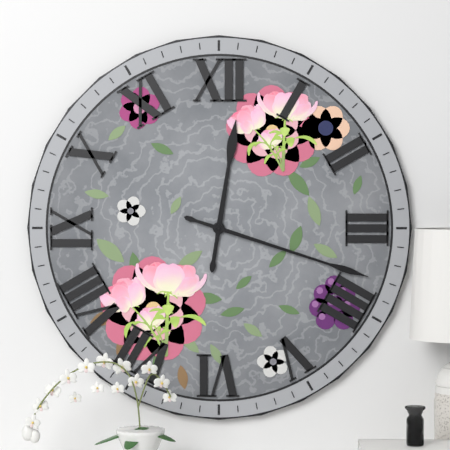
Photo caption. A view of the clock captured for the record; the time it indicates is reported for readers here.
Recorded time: 12:18
